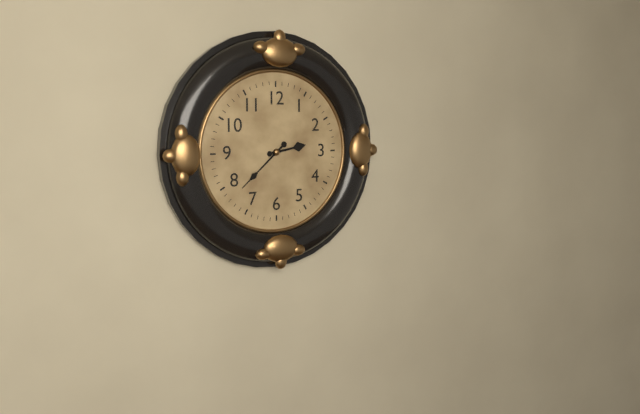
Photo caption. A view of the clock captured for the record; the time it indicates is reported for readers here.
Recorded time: 2:38
